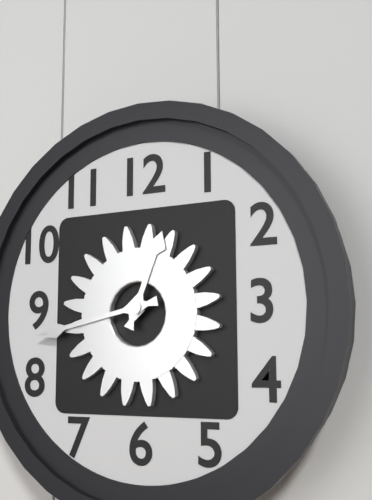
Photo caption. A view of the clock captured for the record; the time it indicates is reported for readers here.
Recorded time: 12:43
